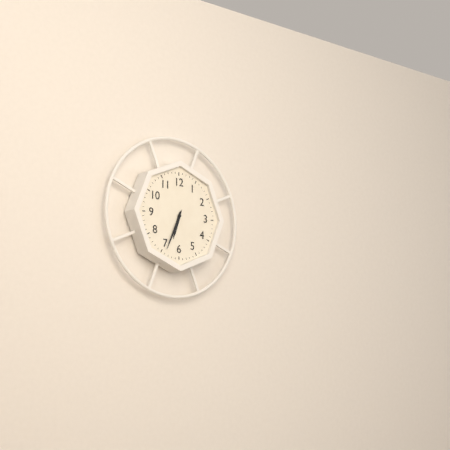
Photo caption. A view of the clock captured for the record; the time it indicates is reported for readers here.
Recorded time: 6:34
